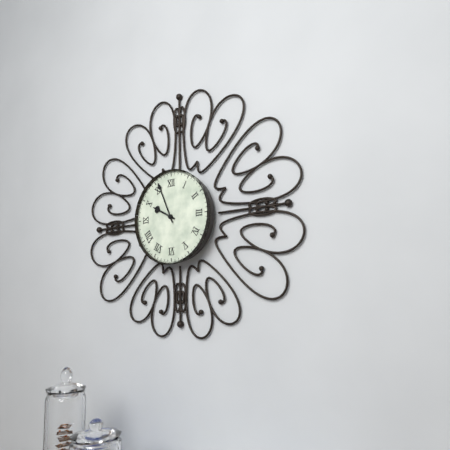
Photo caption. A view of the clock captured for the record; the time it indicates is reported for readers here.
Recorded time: 9:56
